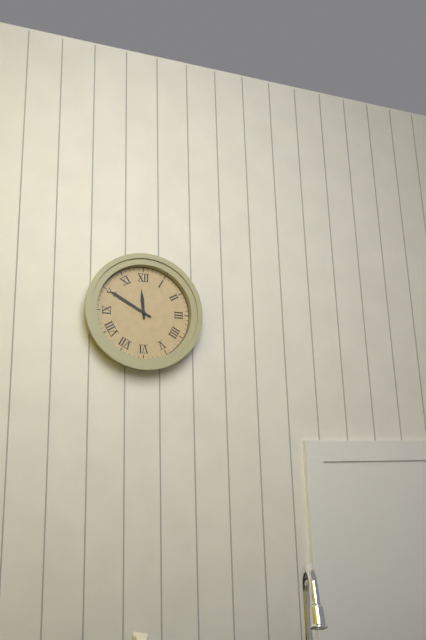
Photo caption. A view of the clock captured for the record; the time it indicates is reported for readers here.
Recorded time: 11:50
